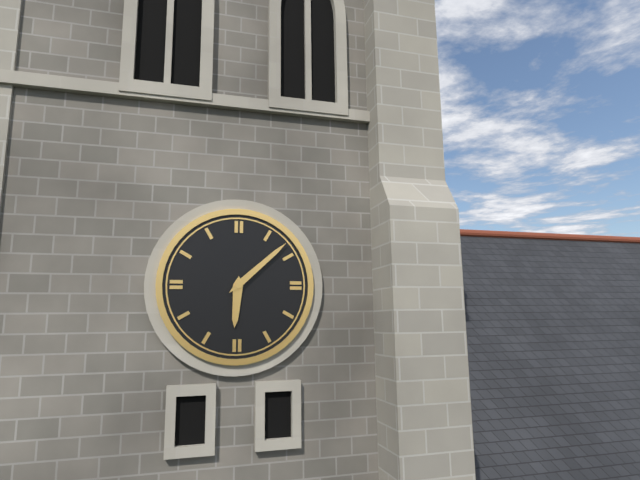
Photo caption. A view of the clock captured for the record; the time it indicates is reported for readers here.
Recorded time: 6:08
